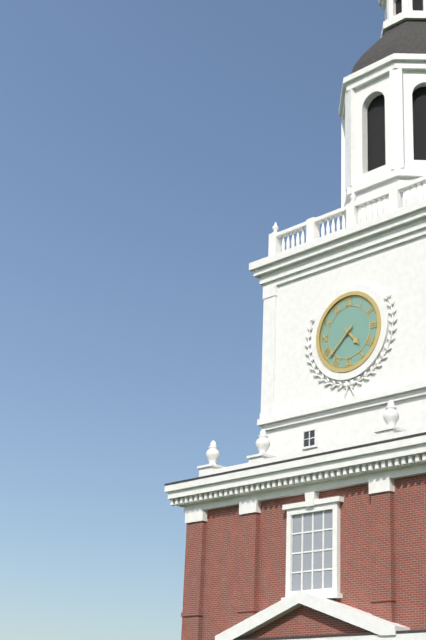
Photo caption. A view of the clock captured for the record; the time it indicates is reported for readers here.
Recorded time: 4:38
